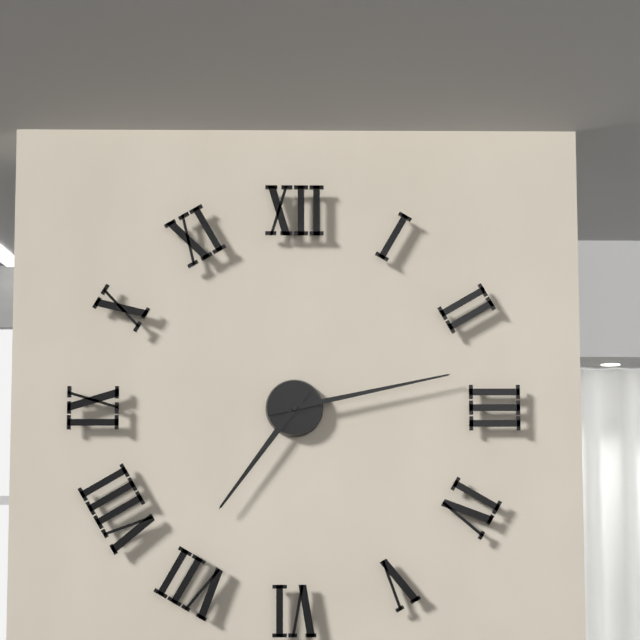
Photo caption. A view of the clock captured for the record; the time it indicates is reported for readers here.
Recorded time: 7:13
